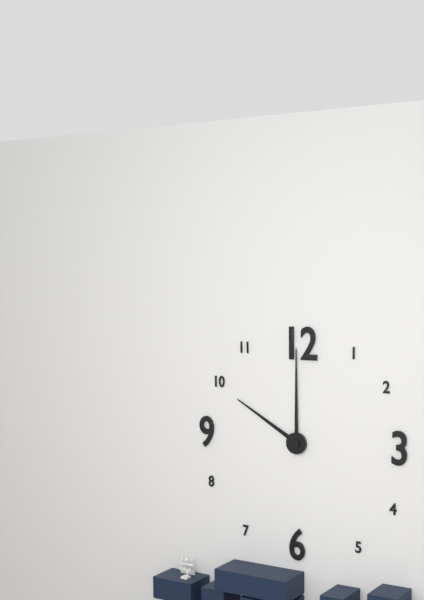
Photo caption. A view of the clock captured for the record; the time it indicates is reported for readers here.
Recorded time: 10:00
